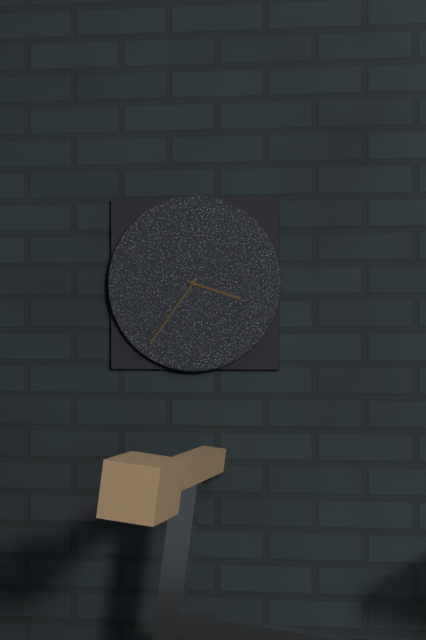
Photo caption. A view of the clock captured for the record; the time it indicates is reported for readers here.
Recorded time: 3:36
